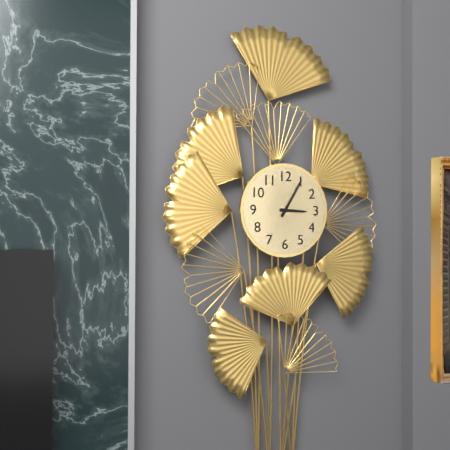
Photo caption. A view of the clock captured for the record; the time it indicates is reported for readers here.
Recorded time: 3:05
